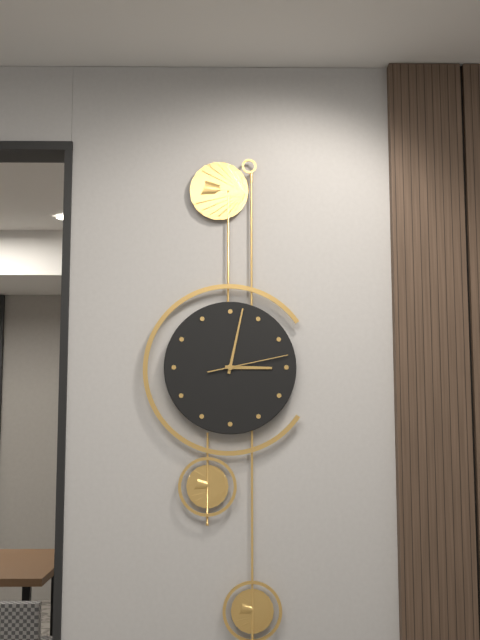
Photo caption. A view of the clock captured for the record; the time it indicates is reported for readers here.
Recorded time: 3:02:13
